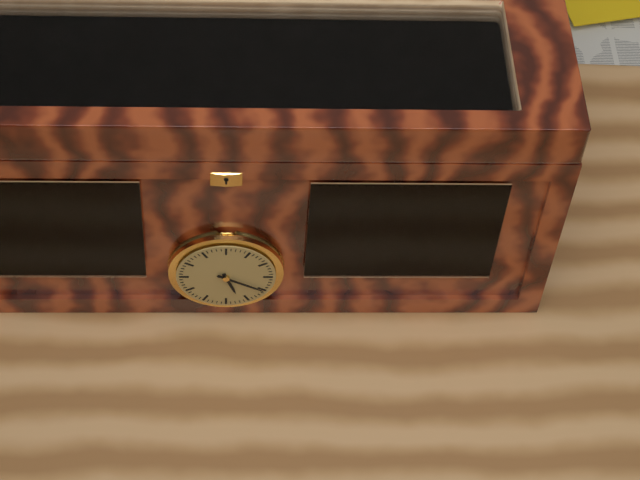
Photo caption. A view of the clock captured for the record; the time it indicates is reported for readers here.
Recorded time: 5:20
